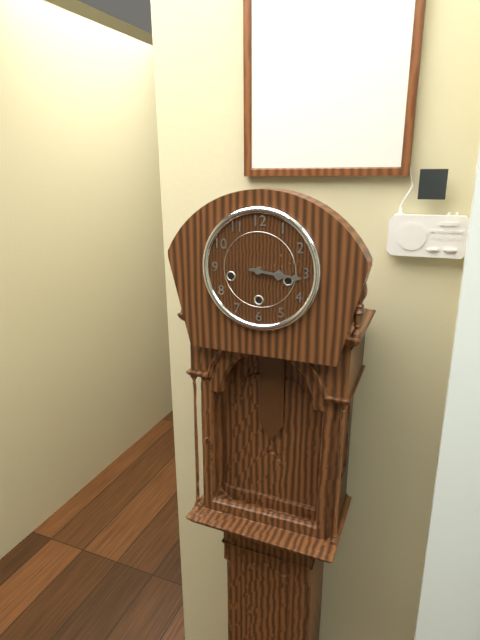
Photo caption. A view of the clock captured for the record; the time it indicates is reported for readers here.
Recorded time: 3:16
